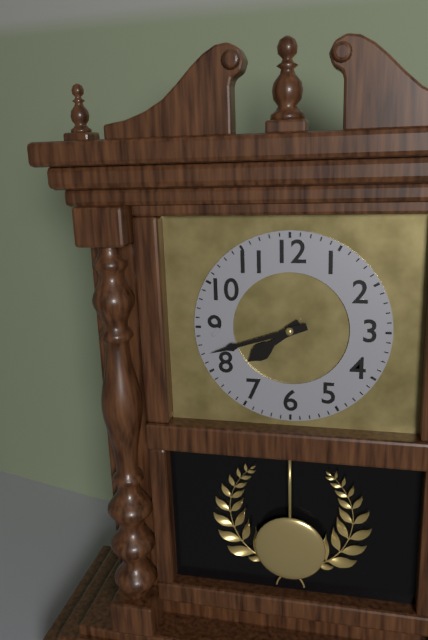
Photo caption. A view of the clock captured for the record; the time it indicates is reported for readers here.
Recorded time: 7:42
